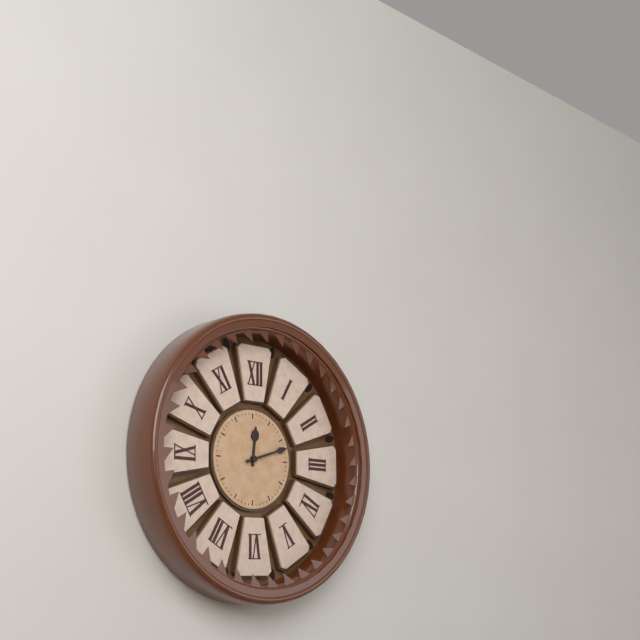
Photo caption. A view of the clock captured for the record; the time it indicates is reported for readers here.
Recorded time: 12:12
